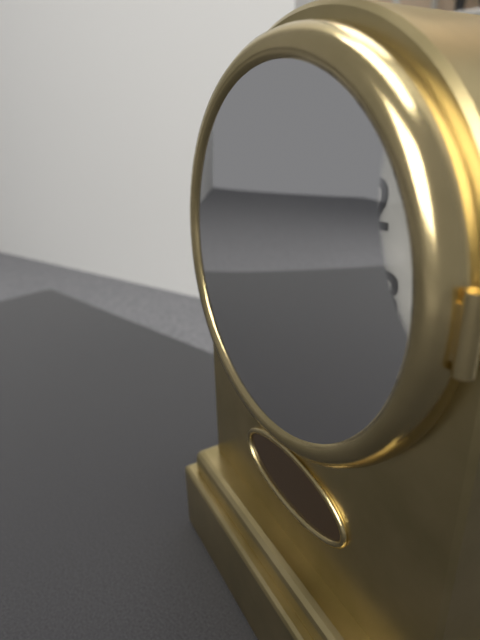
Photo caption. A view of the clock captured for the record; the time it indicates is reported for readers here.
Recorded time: 9:39
